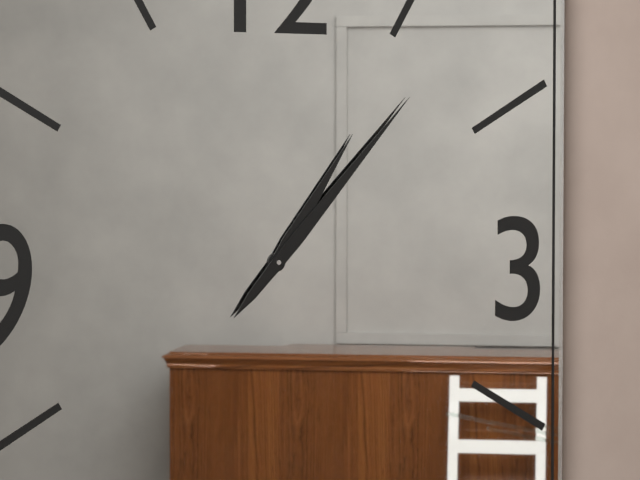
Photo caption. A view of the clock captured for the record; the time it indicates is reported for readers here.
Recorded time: 1:07
